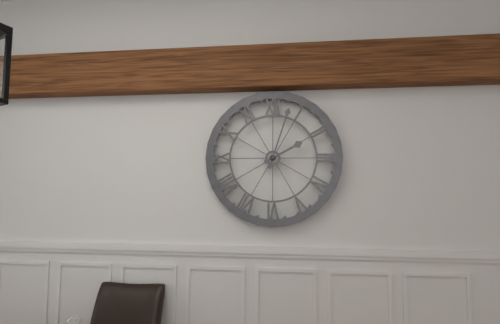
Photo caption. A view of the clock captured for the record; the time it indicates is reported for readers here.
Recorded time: 2:03
